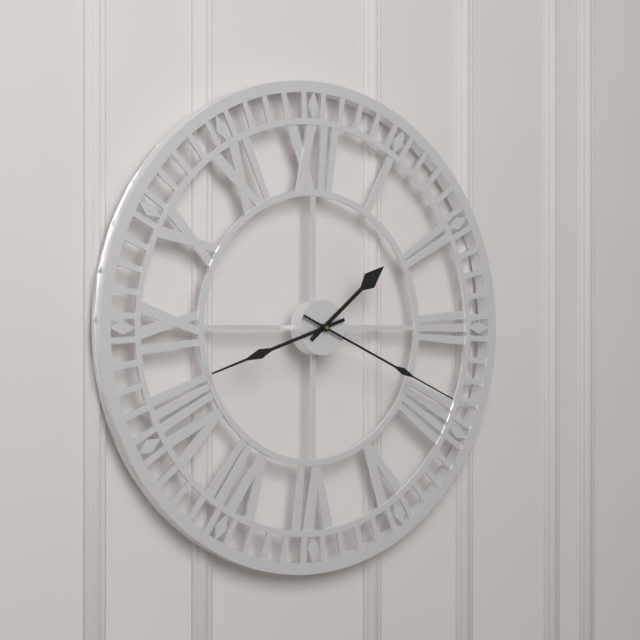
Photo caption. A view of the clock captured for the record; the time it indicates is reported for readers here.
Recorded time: 1:42:19
